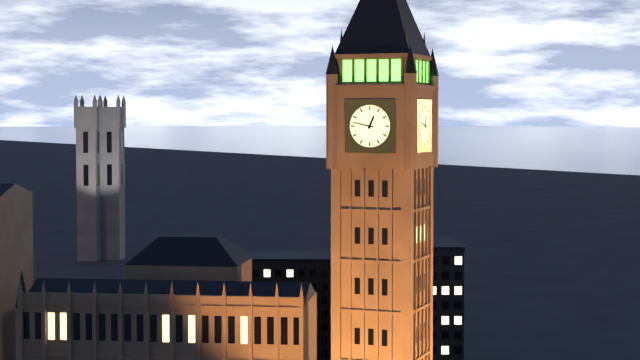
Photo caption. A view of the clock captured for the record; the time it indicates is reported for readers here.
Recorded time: 12:47
